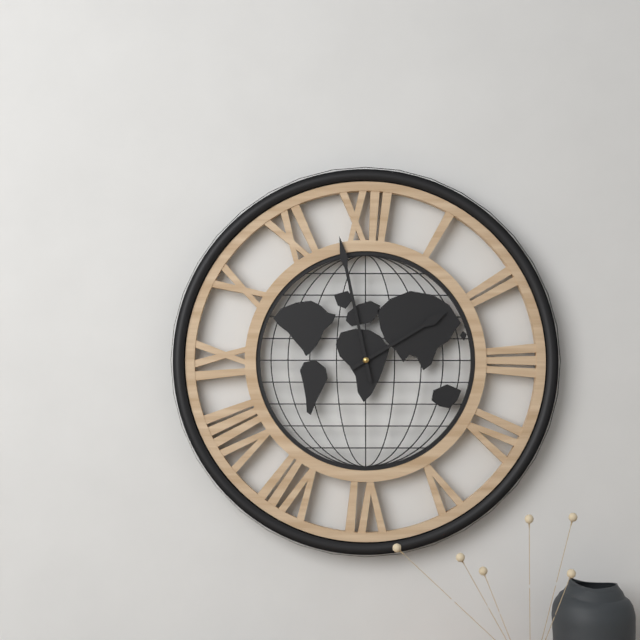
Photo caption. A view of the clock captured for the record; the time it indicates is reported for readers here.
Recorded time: 1:58
